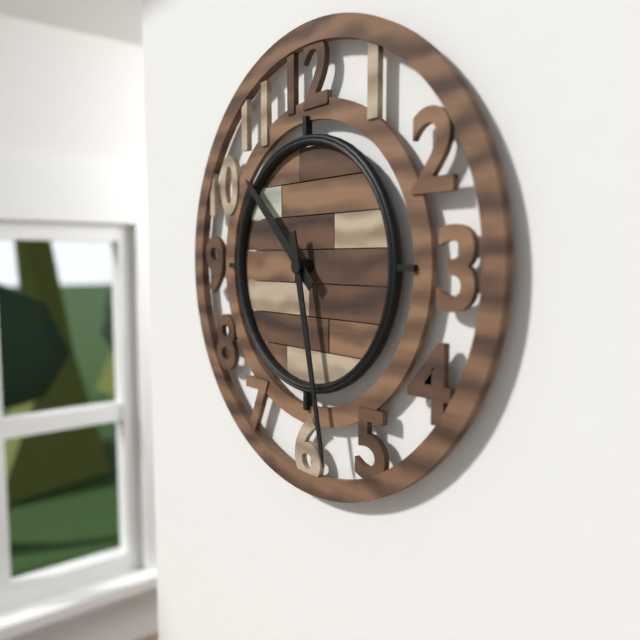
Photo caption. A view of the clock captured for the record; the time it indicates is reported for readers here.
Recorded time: 10:28
